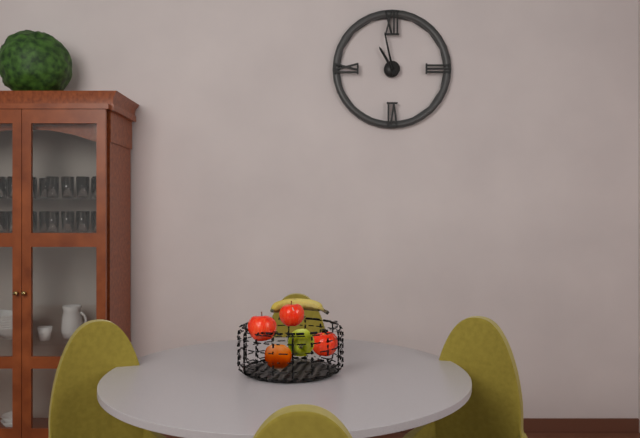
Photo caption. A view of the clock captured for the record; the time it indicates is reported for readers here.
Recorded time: 10:58
